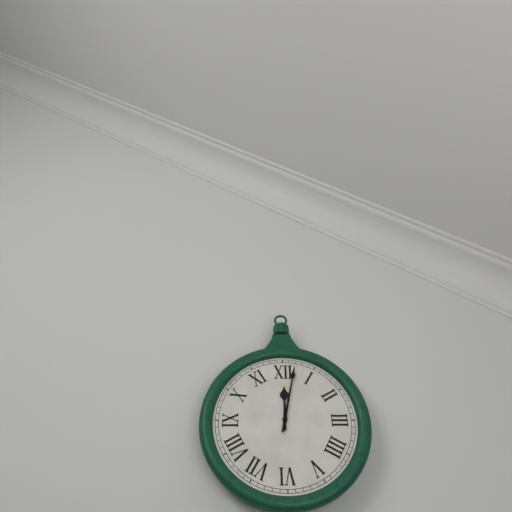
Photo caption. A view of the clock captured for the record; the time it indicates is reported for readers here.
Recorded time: 12:02
